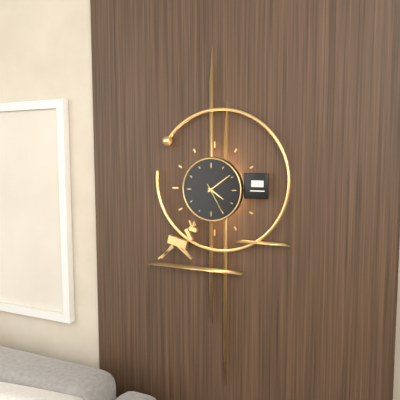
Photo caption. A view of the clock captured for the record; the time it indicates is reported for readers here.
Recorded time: 4:09
